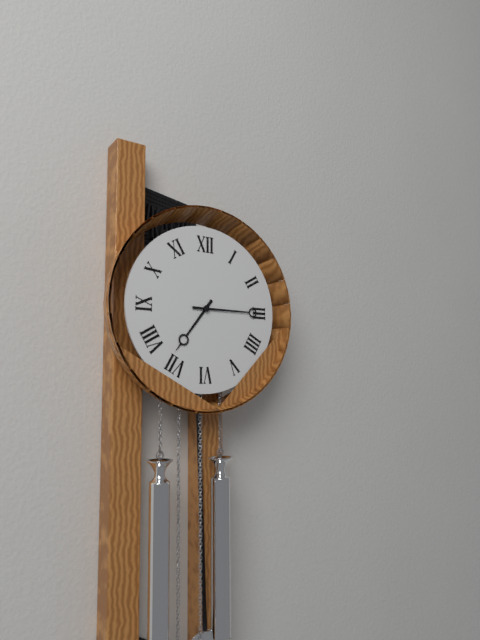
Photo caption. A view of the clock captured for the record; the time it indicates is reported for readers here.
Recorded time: 7:15
